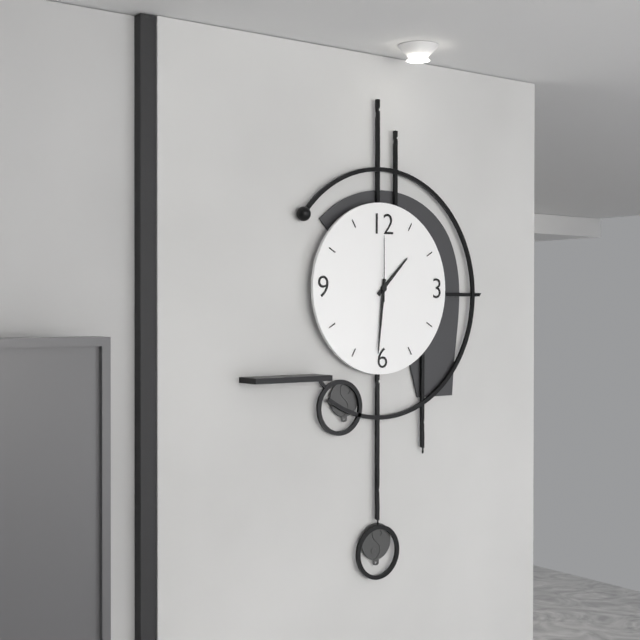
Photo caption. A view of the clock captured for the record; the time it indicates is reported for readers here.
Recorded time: 1:31:00
